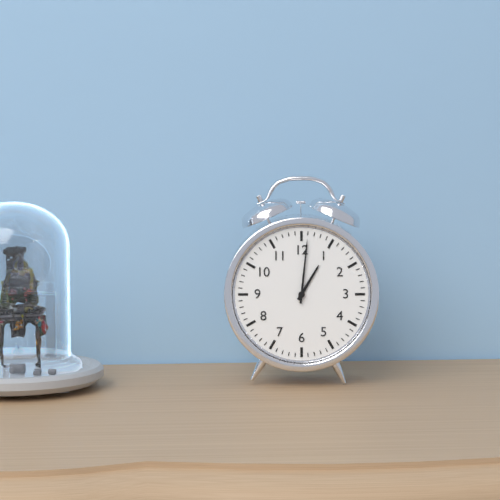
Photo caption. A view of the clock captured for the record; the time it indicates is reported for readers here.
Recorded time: 1:01
